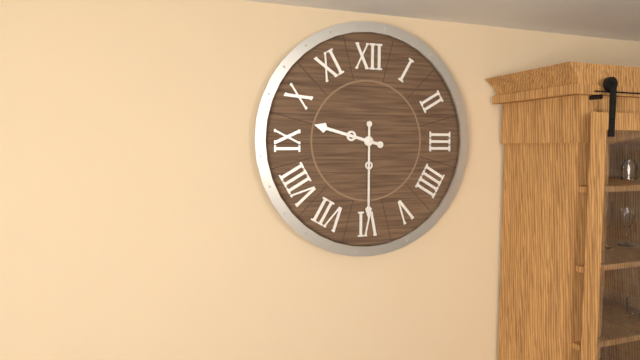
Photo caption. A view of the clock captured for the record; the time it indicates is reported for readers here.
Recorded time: 9:30
